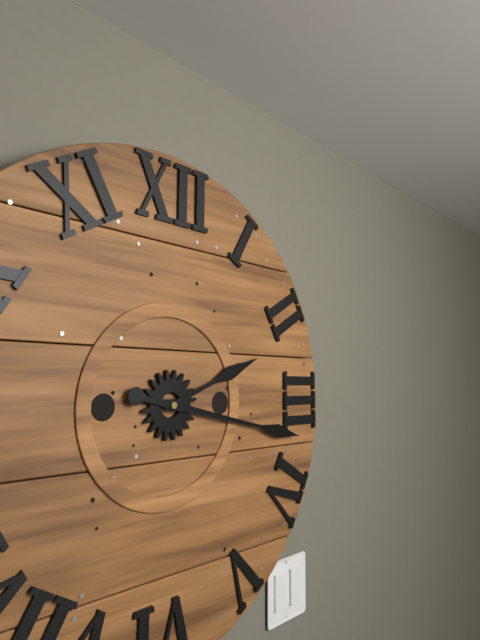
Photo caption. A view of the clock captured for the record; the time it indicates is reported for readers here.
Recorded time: 2:17
